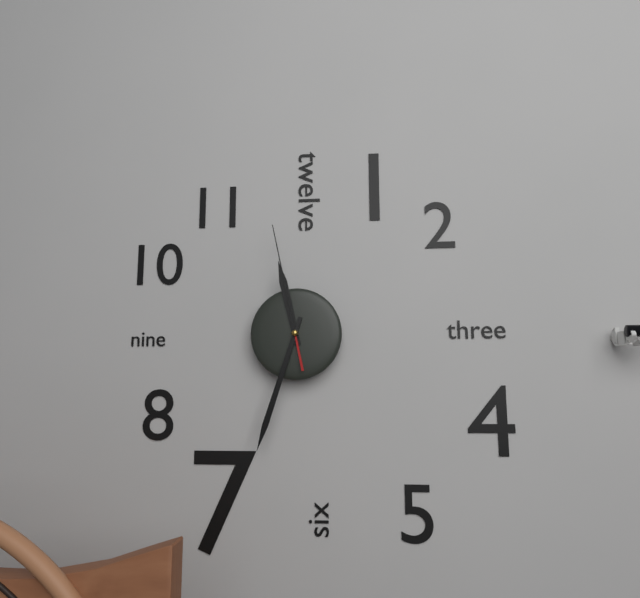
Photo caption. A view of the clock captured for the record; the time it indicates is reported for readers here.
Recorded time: 11:33:58
